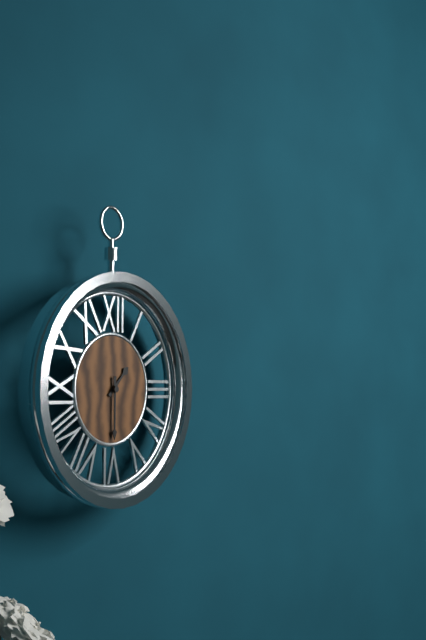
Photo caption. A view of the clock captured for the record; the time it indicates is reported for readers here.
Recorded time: 1:30
